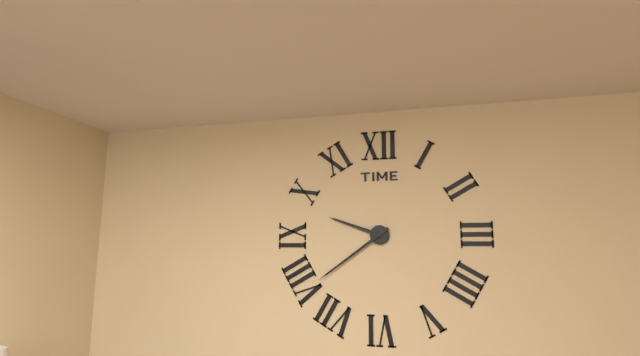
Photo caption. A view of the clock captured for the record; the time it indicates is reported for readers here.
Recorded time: 9:39
